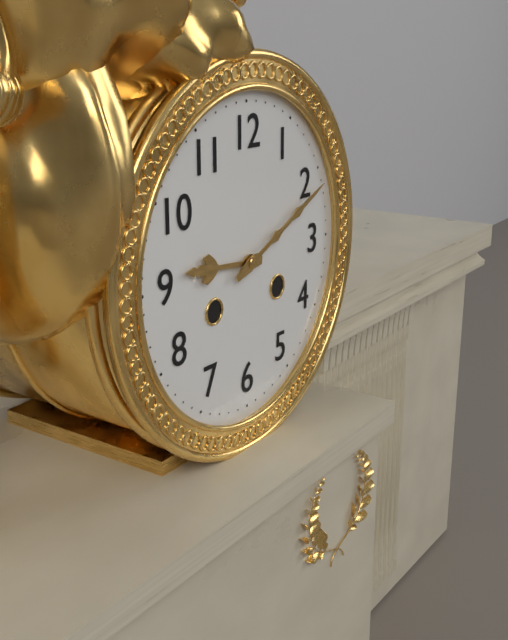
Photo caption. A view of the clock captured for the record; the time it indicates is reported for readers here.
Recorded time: 9:11
